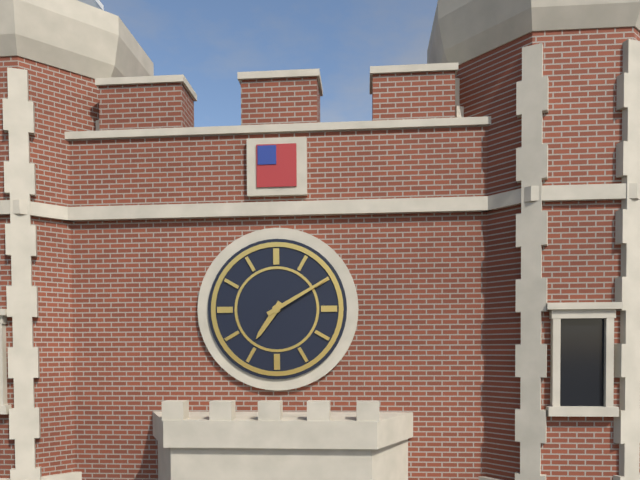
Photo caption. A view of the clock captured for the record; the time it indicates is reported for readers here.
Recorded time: 7:10
